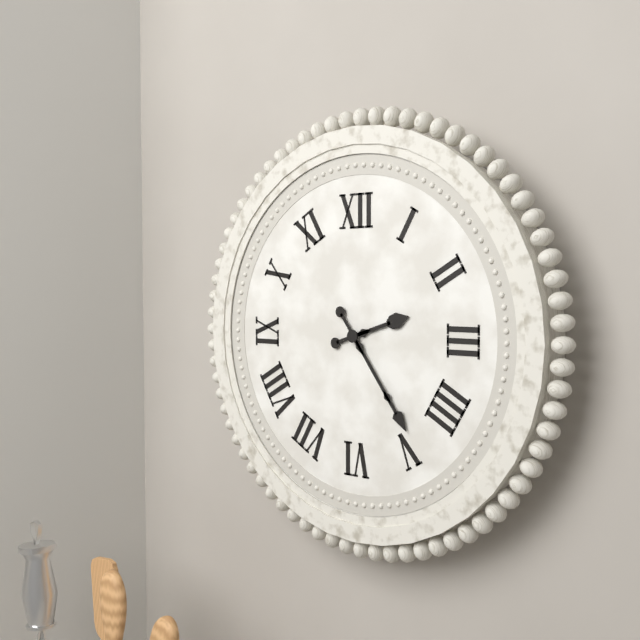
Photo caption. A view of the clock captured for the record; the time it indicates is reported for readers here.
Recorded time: 2:24
